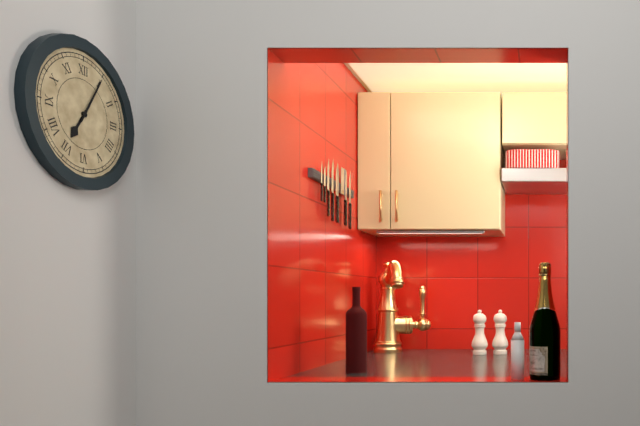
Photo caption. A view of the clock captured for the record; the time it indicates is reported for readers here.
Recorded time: 7:05
